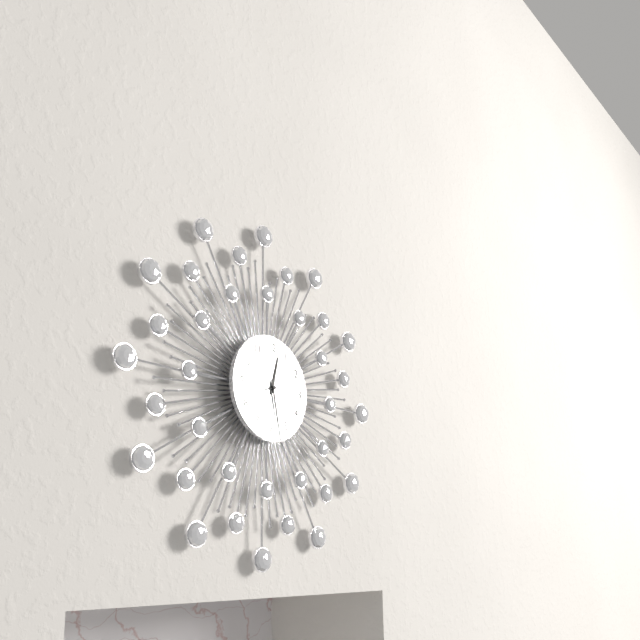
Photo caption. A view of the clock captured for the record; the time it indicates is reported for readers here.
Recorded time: 12:28
